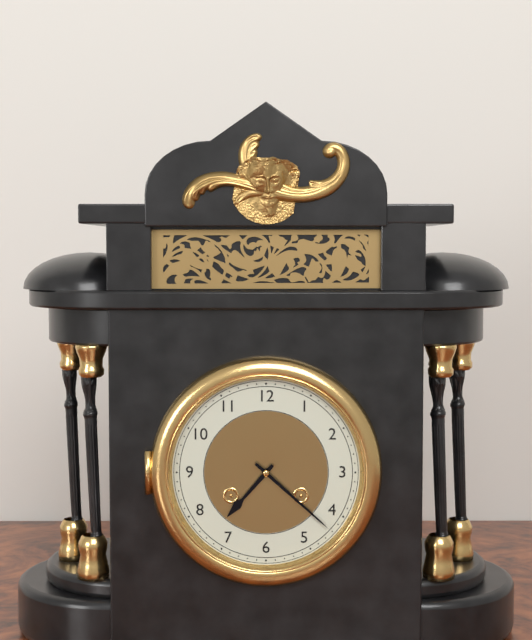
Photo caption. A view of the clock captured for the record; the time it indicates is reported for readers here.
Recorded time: 7:22
